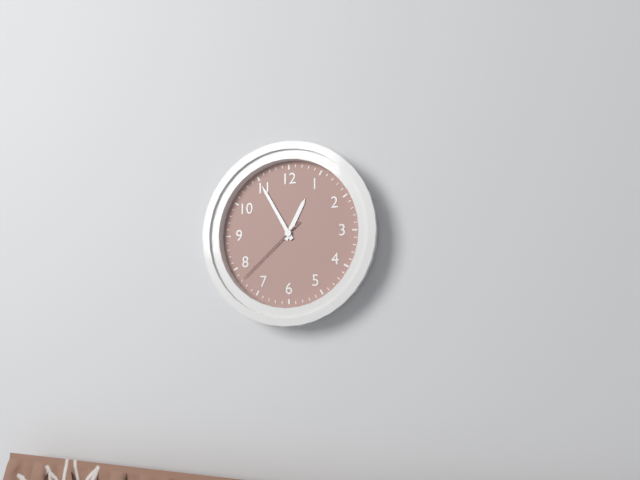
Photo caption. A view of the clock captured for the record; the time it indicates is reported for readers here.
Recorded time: 12:55:38
